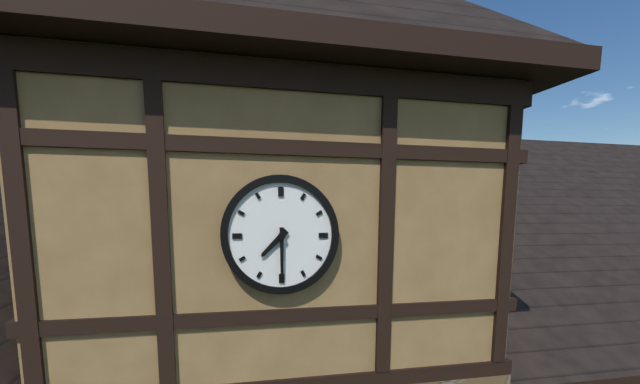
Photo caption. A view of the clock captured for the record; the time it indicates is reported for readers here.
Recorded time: 7:30
